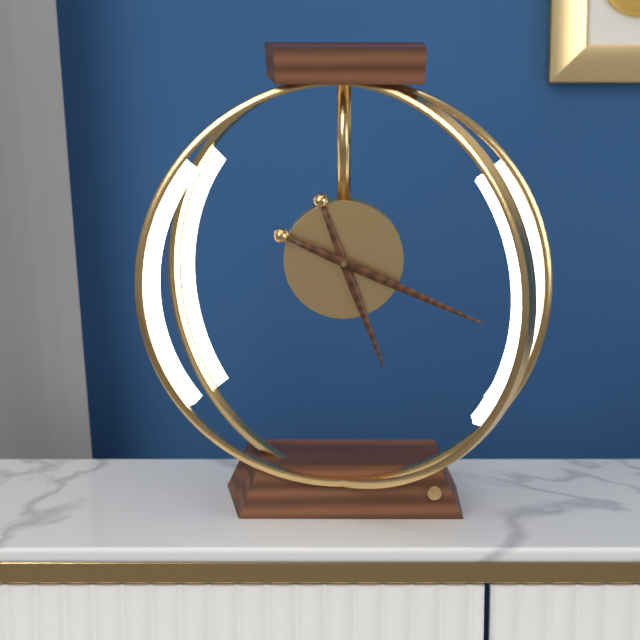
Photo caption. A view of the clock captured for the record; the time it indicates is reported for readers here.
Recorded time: 5:19
